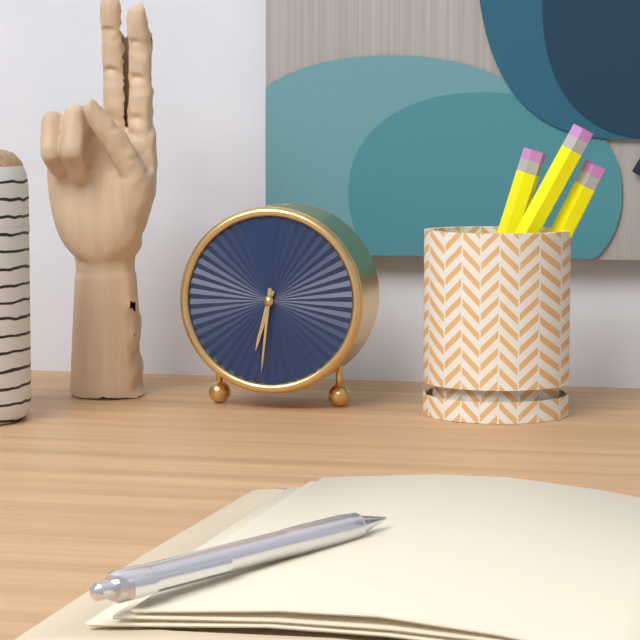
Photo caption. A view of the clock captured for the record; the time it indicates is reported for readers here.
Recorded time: 6:31
